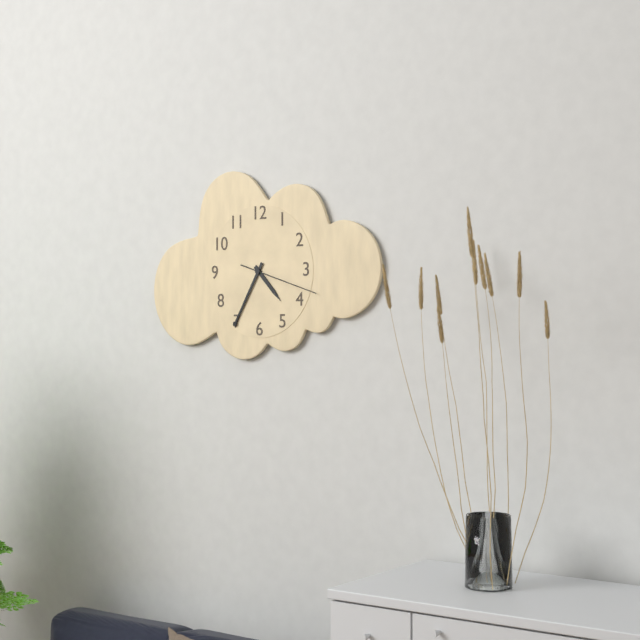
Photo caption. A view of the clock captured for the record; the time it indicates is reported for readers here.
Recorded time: 4:35:18
